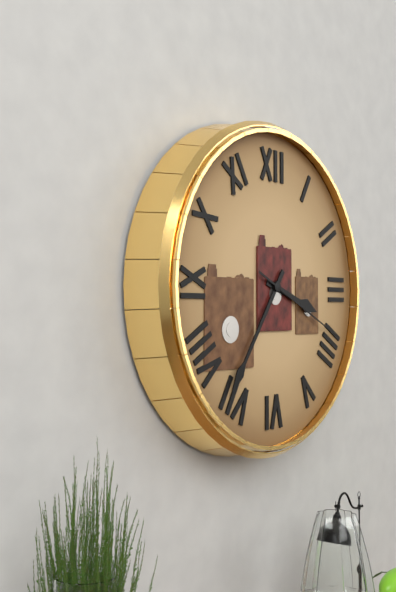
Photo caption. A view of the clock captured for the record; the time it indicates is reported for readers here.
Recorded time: 3:36:19
